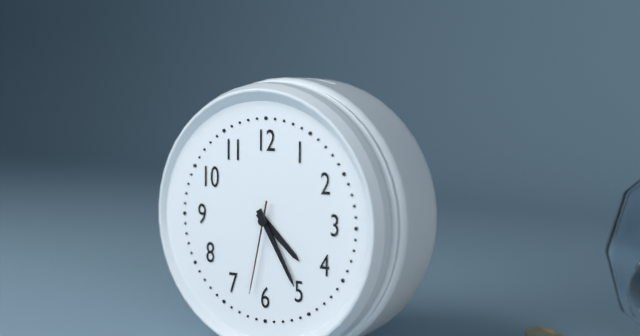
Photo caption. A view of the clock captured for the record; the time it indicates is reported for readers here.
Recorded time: 4:25:32
